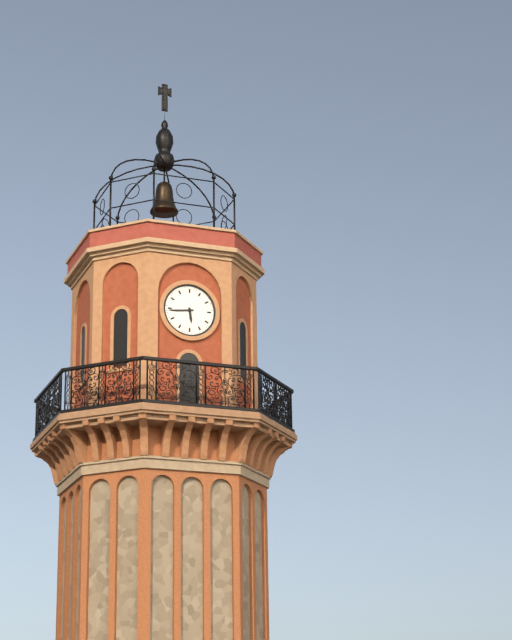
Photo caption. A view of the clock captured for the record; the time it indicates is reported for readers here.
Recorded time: 5:44
